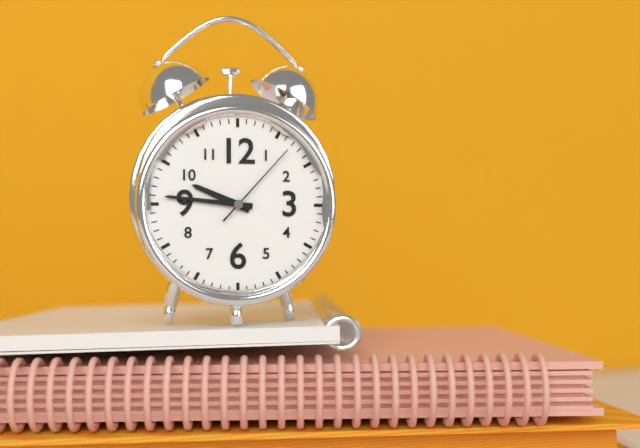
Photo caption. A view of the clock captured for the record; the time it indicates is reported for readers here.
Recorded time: 9:46:07
